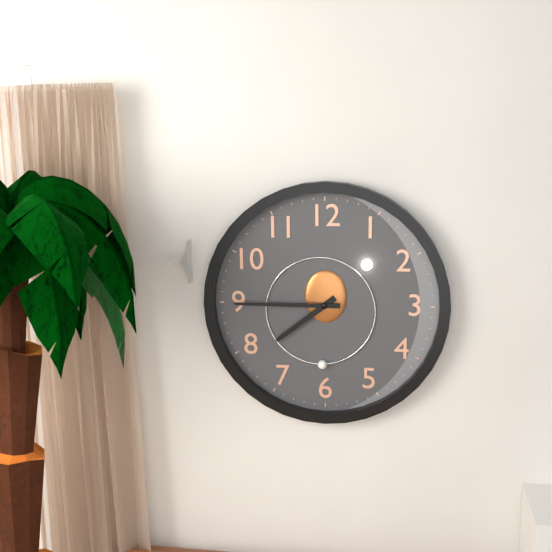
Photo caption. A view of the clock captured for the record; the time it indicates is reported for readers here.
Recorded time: 7:45
